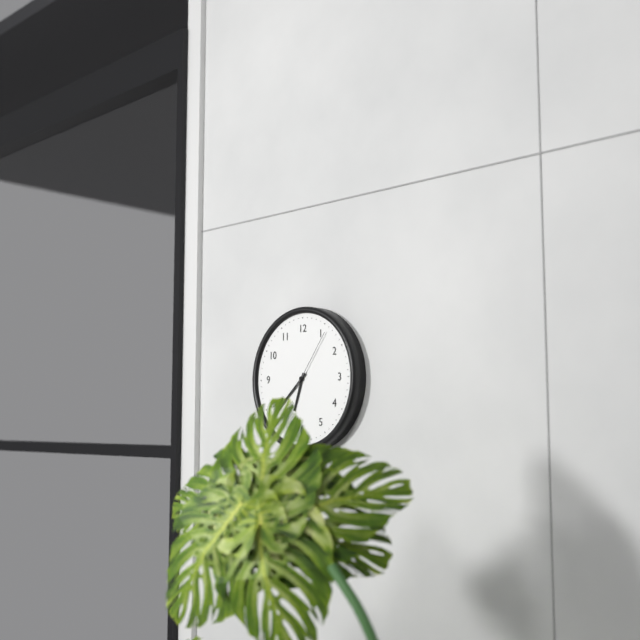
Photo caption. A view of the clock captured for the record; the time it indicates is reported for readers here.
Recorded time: 6:38:06
